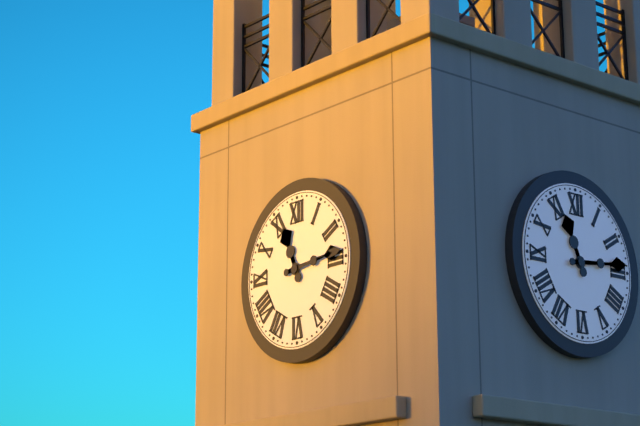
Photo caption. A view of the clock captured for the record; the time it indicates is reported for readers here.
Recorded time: 11:14
